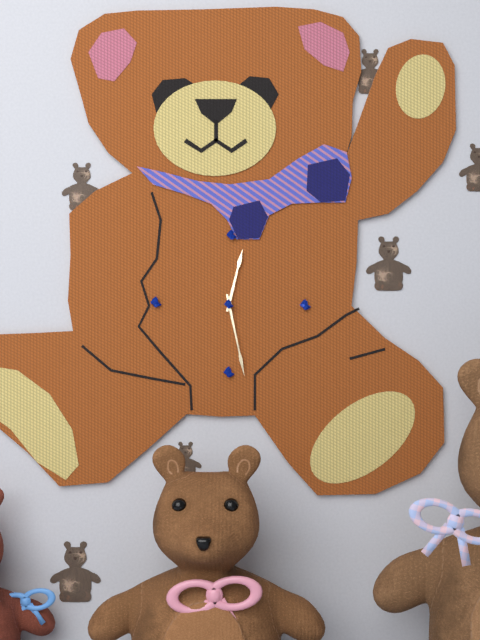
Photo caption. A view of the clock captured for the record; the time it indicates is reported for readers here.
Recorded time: 12:28
